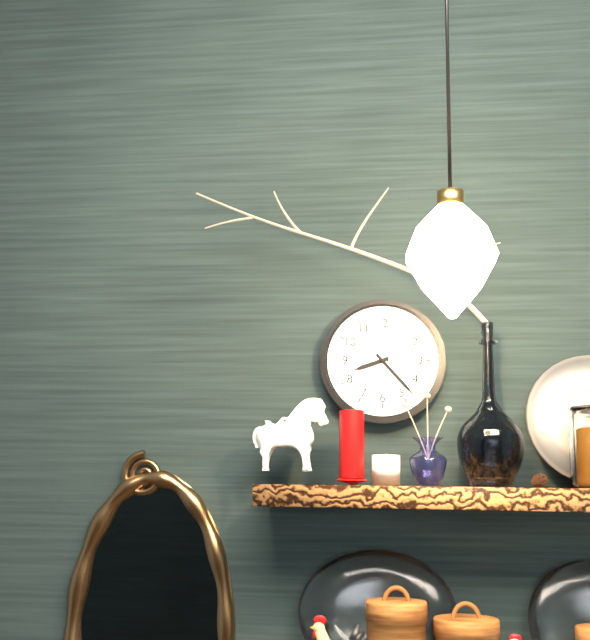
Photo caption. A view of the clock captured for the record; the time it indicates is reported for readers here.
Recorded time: 8:23
